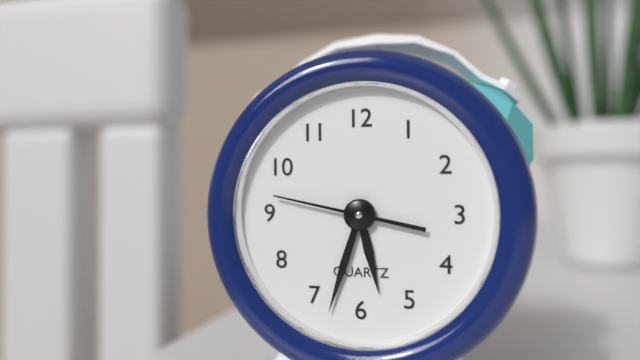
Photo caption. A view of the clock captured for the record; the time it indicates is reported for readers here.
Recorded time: 5:33:47
